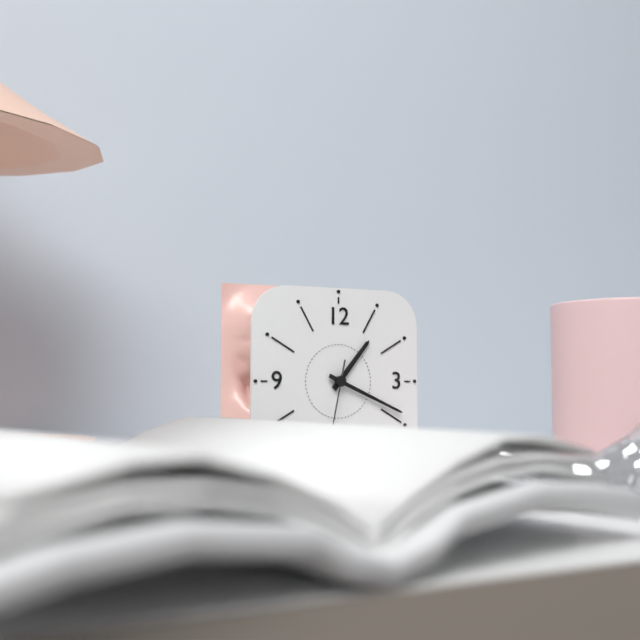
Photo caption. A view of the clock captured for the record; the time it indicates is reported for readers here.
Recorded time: 1:19
